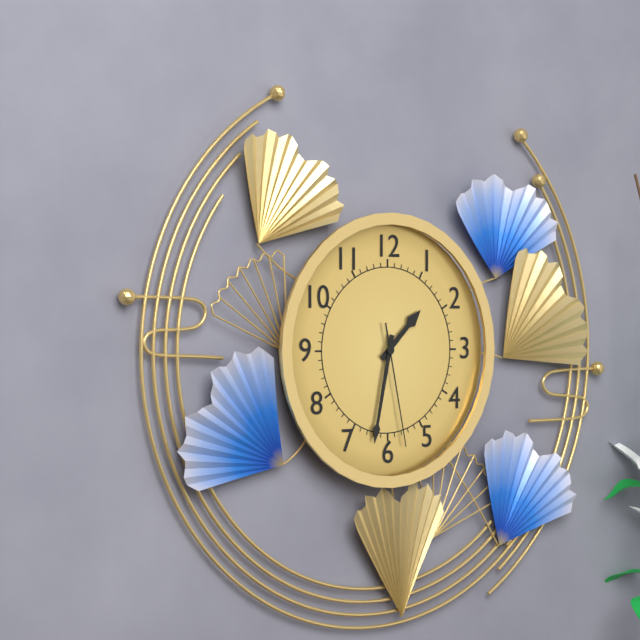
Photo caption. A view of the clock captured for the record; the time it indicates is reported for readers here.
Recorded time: 1:32:28
